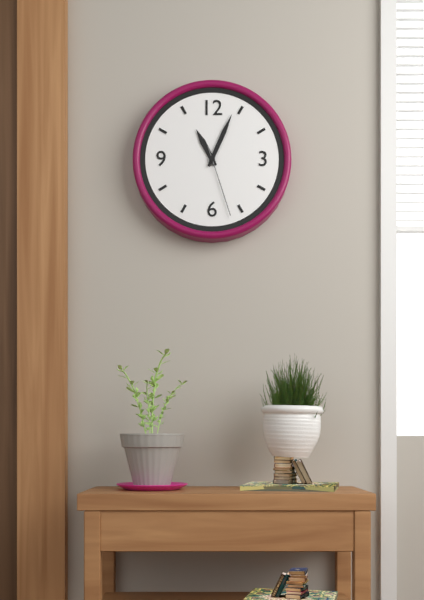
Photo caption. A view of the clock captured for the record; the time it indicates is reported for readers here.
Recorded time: 11:04:27
